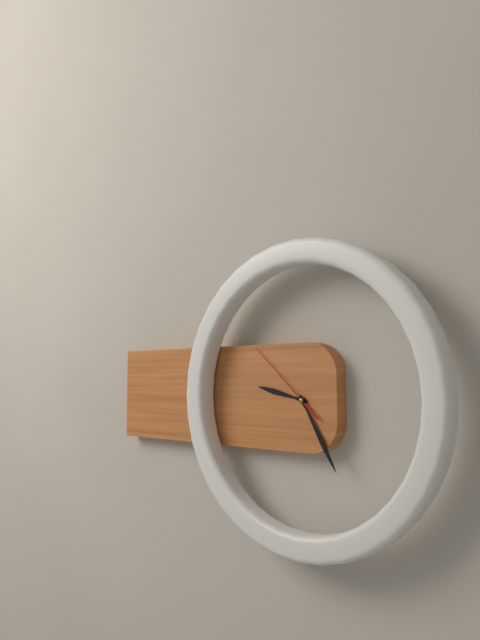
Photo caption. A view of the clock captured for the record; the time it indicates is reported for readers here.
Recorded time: 9:25:52
